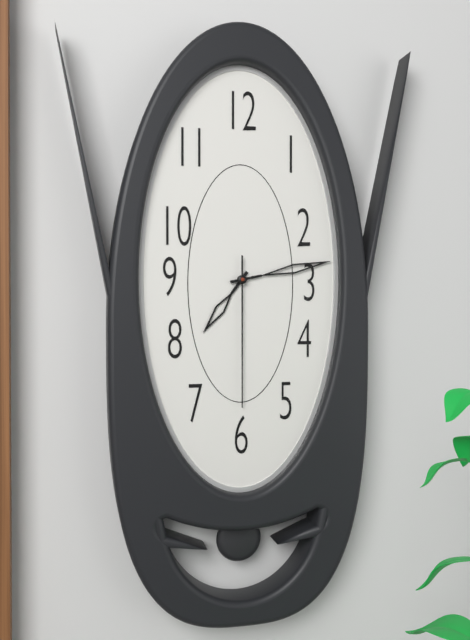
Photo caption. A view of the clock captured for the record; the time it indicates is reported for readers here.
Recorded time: 7:13:30
